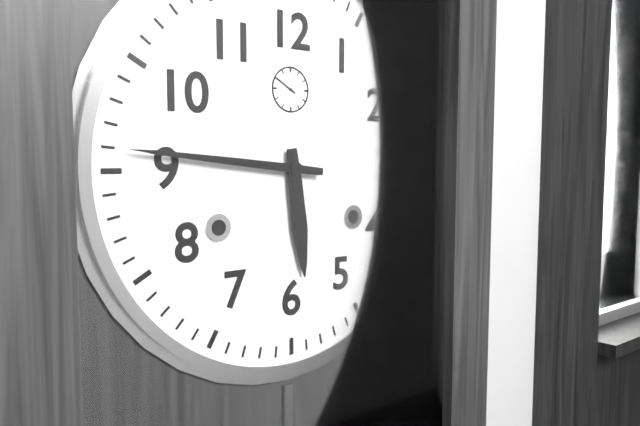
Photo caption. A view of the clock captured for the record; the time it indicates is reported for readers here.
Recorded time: 5:46
